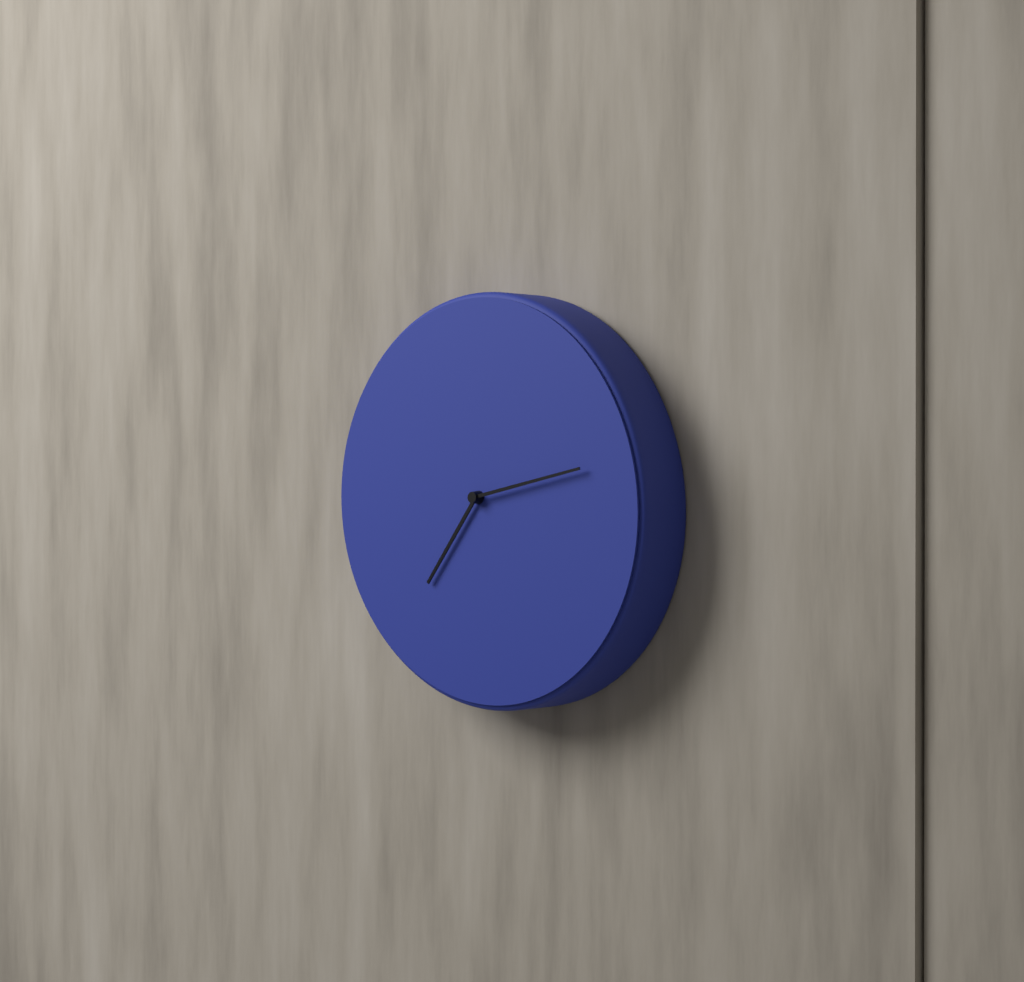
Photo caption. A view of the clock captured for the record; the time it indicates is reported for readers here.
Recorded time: 7:13
